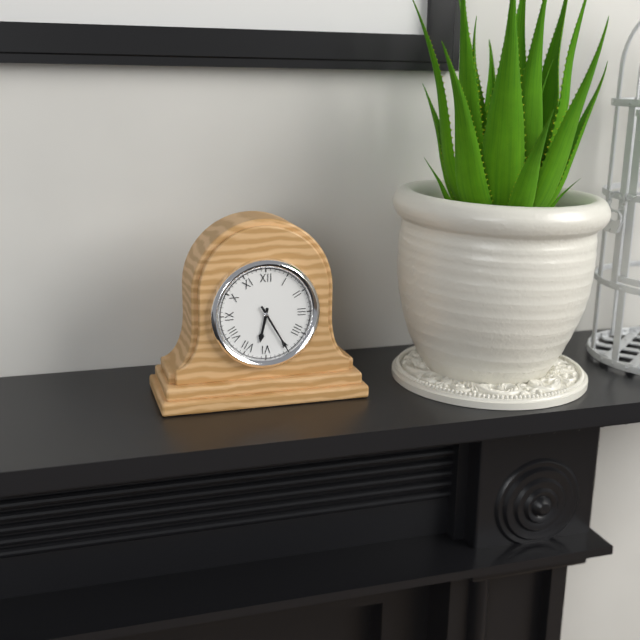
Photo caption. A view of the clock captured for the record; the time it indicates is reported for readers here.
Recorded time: 6:25
